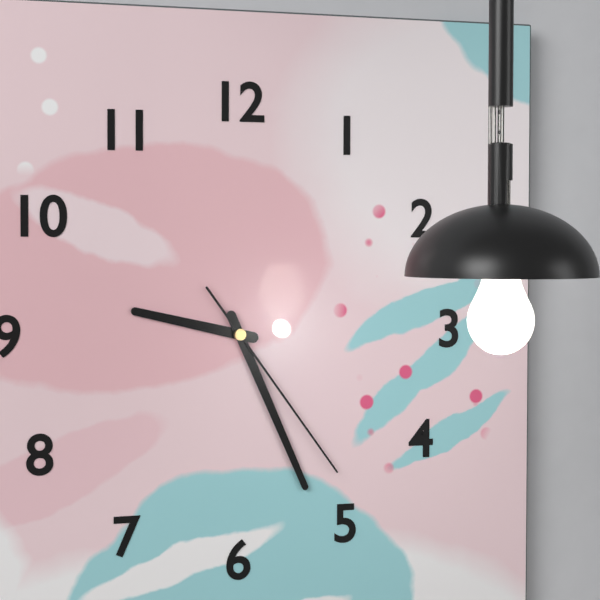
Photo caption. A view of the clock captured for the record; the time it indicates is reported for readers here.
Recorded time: 9:26:24
